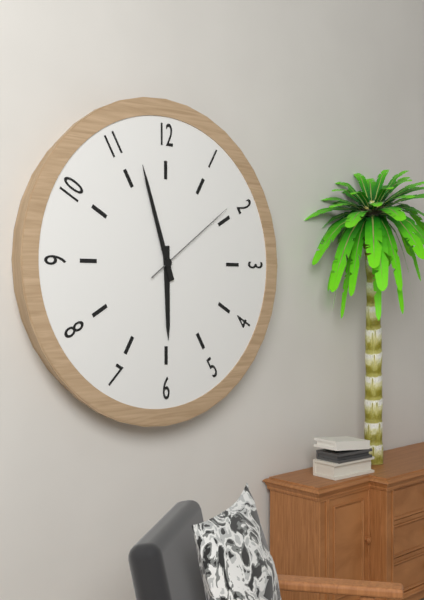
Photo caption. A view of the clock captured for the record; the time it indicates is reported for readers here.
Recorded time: 5:57:09
